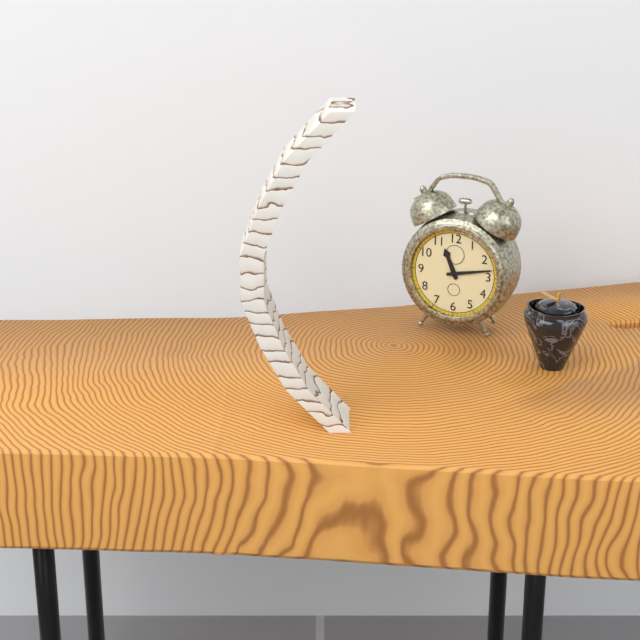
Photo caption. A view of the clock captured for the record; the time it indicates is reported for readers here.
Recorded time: 11:13
